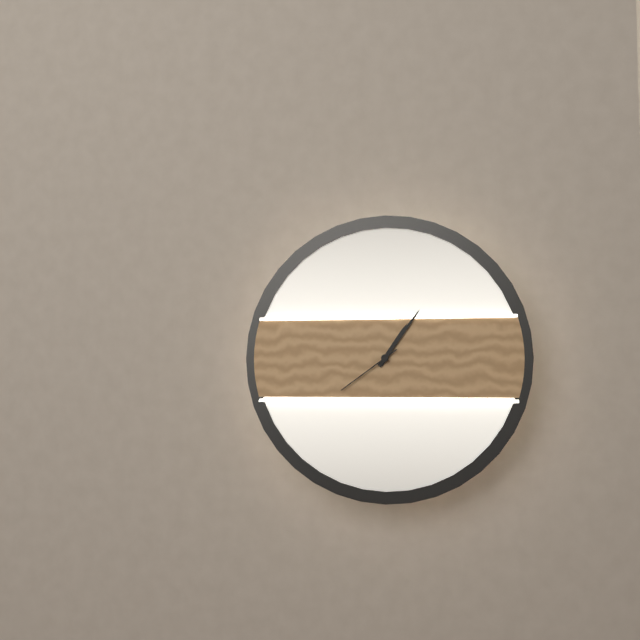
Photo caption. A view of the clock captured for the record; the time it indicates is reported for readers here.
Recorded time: 1:06:39
